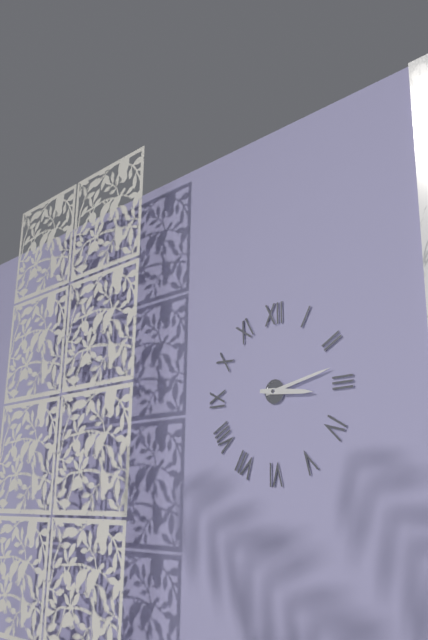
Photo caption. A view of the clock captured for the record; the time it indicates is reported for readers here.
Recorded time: 3:13
